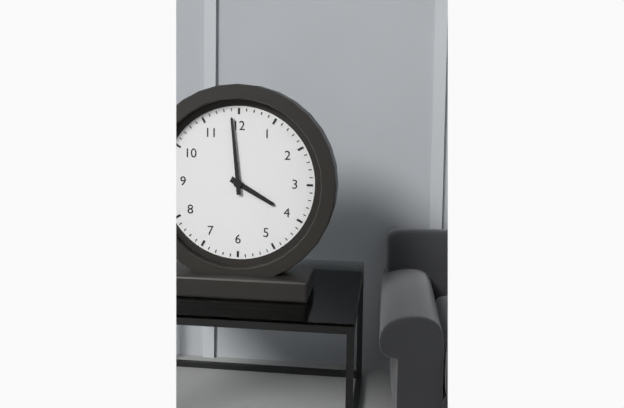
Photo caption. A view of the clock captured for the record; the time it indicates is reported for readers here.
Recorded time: 3:59
